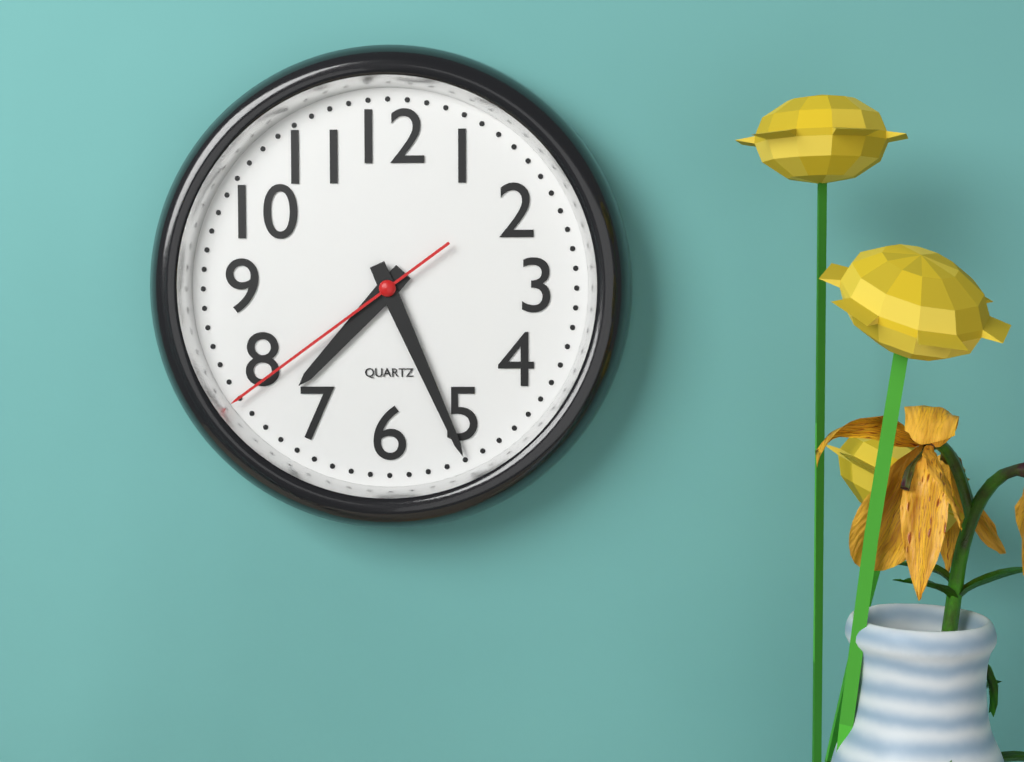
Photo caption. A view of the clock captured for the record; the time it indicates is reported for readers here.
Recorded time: 7:26:39
